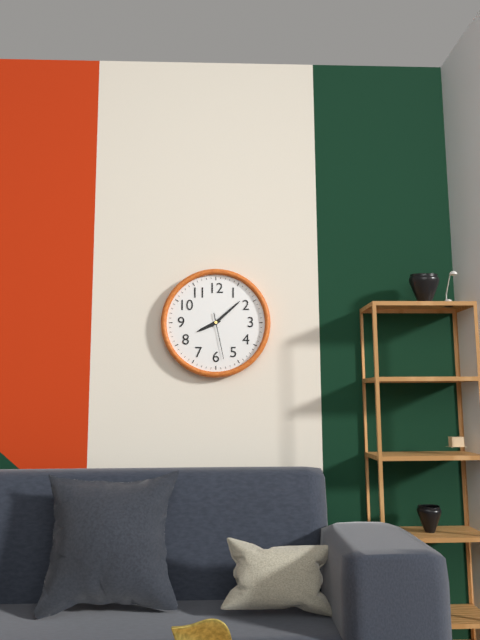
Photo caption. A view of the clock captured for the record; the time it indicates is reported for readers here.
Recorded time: 8:08
